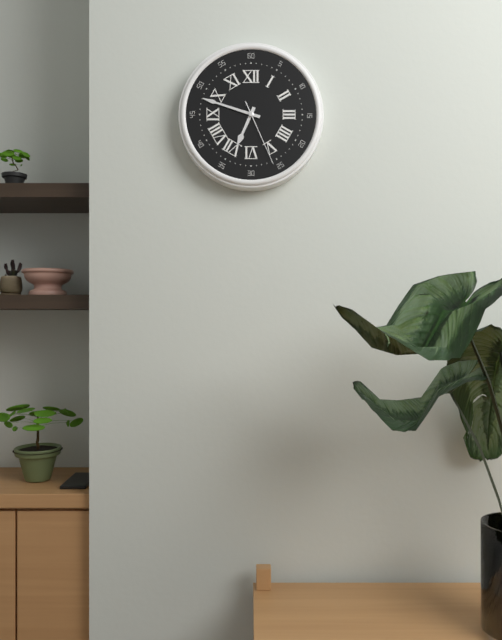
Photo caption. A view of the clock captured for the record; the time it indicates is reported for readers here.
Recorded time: 6:48:26
